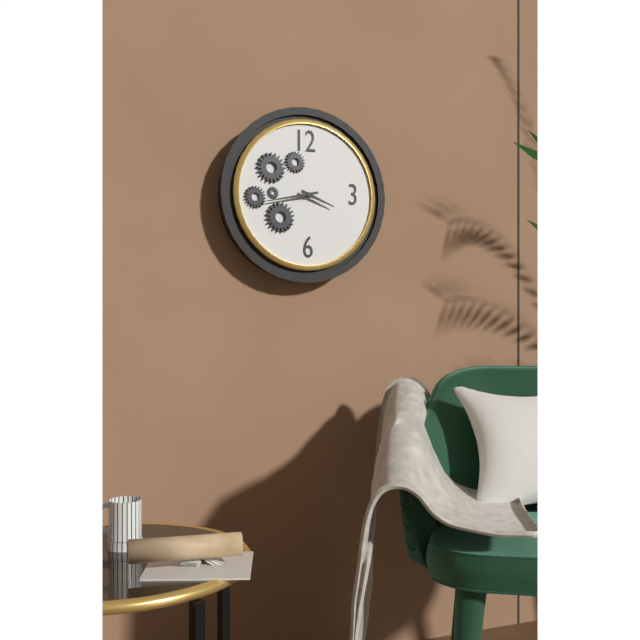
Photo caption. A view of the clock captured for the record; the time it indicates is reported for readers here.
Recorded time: 3:43
